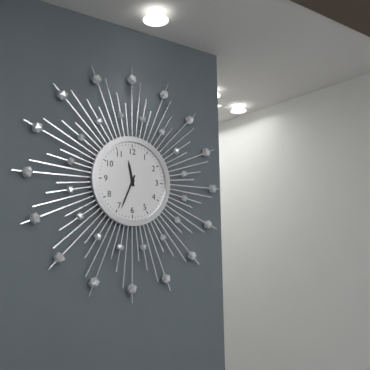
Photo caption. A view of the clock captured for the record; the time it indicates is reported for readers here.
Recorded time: 11:34
